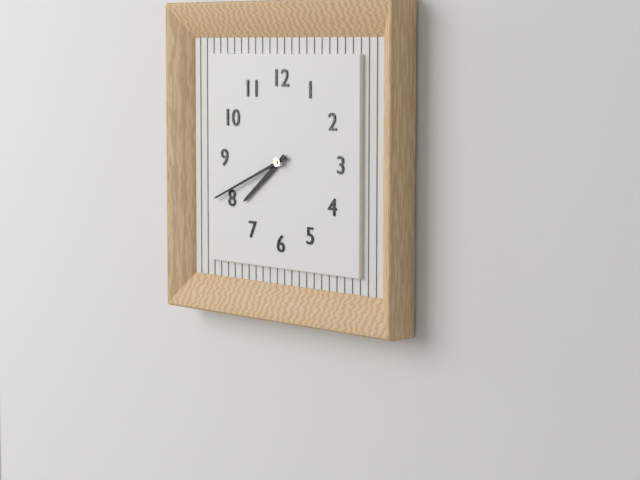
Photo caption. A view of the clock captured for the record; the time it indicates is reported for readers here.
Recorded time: 7:41
